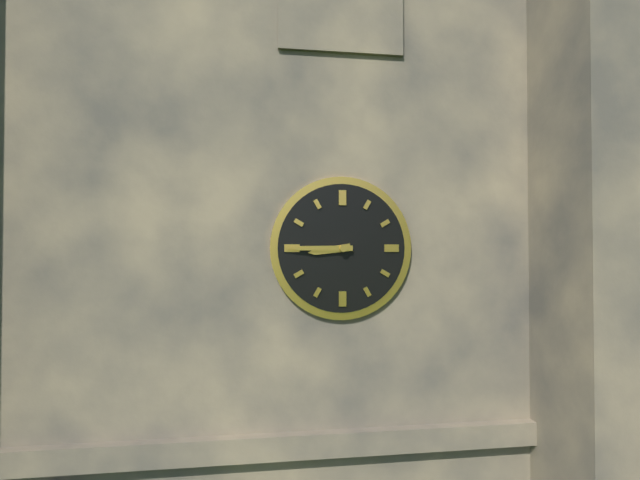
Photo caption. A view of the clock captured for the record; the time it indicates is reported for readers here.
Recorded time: 8:45
